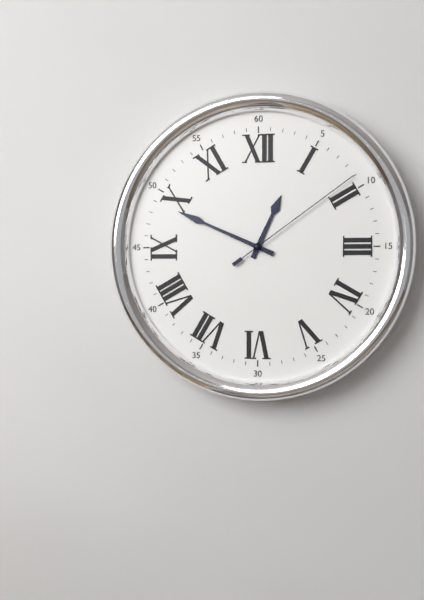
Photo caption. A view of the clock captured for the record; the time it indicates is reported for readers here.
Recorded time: 12:49:09
